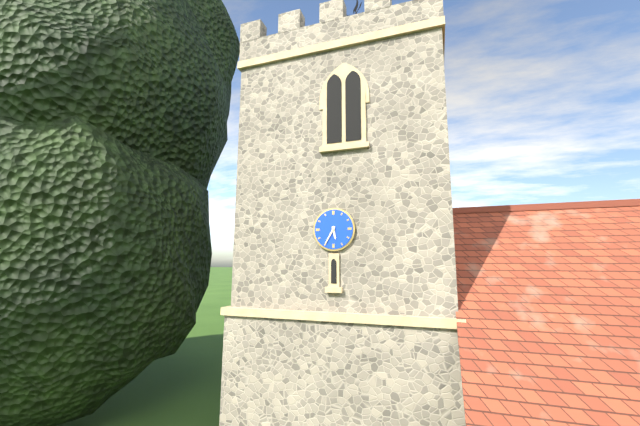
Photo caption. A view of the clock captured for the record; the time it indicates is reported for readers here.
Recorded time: 5:35
